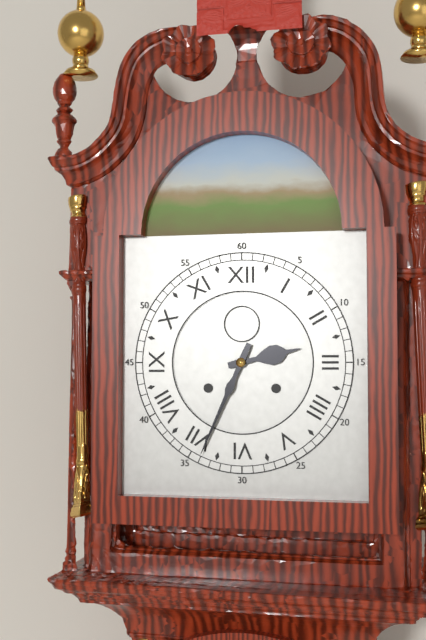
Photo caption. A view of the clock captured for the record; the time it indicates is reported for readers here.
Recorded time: 2:34
